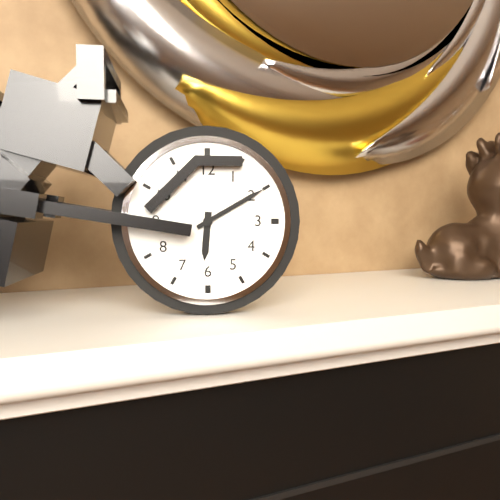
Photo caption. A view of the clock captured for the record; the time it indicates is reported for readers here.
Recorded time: 6:10
